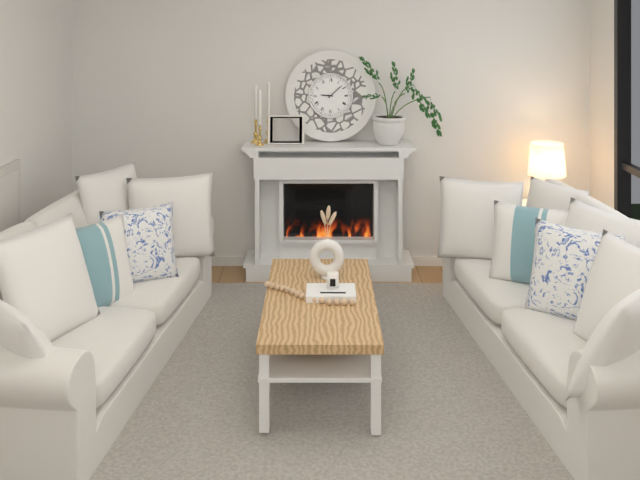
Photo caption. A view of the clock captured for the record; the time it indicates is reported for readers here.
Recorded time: 9:08
